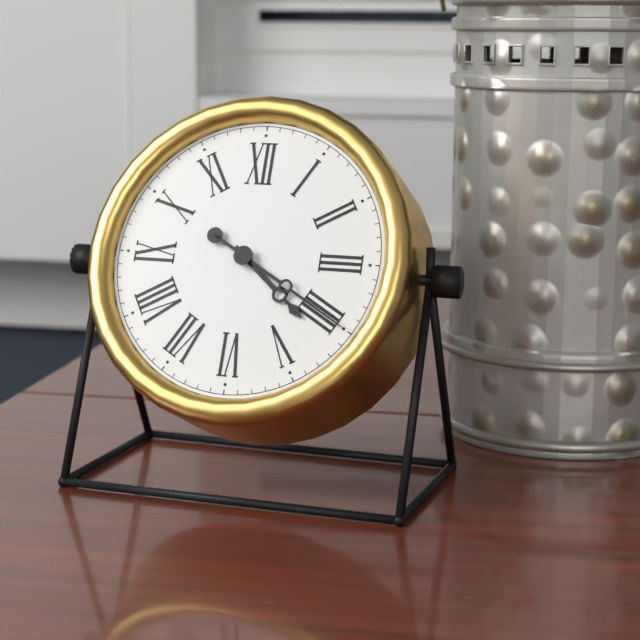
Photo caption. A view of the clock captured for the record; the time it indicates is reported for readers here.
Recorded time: 4:20
